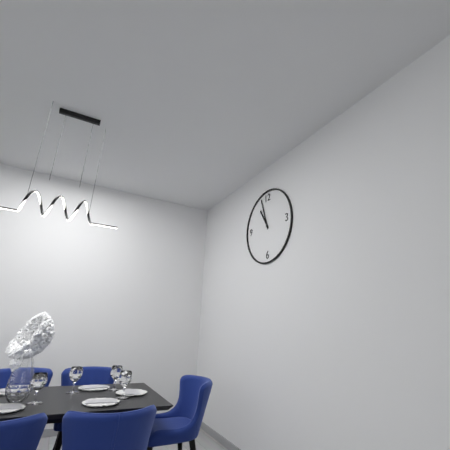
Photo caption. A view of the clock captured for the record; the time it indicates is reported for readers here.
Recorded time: 10:57
